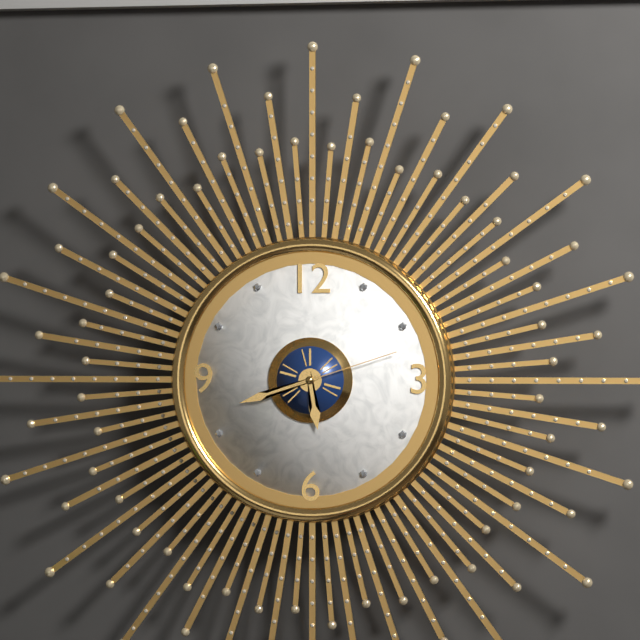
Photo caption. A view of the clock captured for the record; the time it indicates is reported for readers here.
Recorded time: 5:42:12
